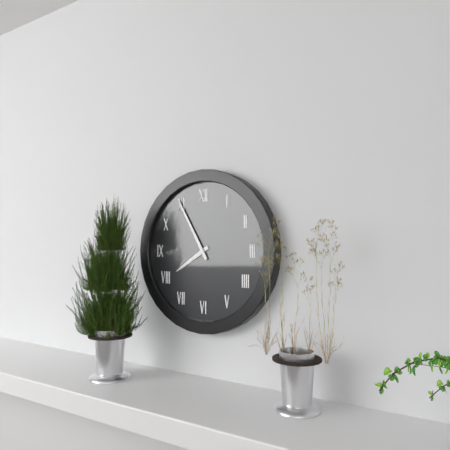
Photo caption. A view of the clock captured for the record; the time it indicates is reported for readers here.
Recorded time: 7:55
